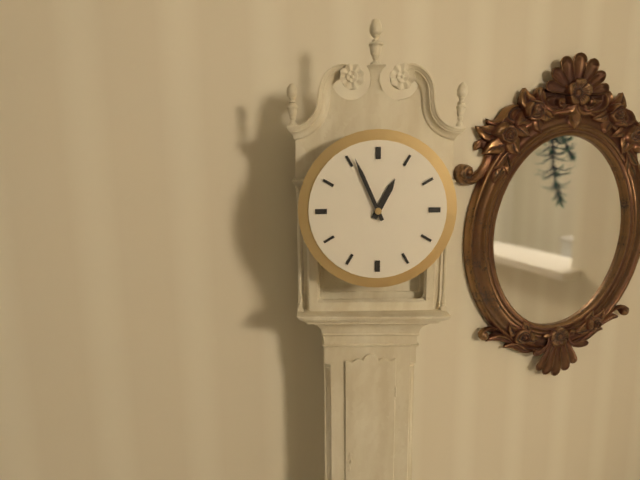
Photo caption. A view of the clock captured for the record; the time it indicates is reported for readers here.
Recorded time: 12:56
